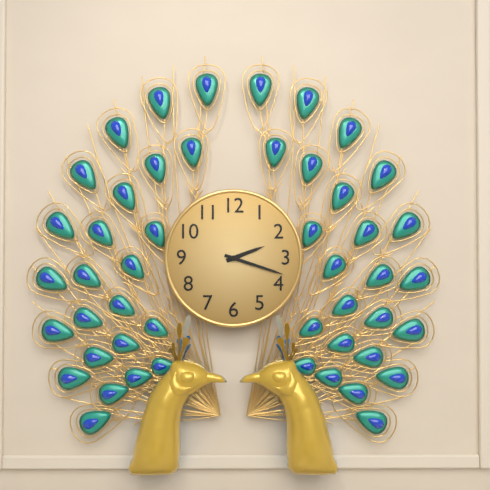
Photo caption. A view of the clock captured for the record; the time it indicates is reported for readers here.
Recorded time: 2:18
